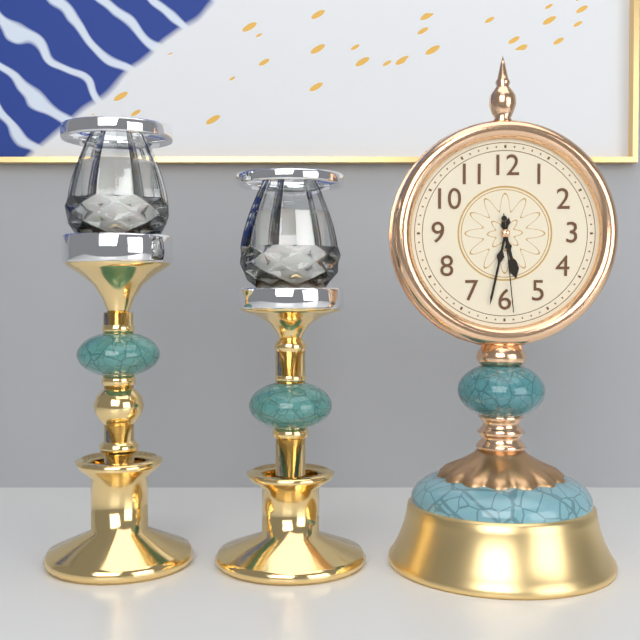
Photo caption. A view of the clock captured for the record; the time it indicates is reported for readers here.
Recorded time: 5:32:29
